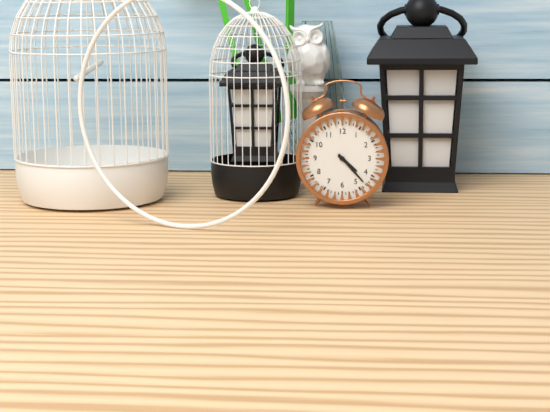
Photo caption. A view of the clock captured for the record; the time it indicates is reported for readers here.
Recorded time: 4:23
